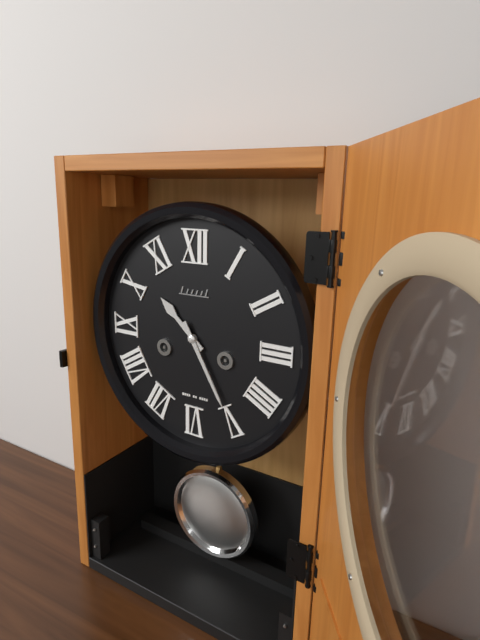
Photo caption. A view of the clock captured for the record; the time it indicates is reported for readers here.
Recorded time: 10:25
